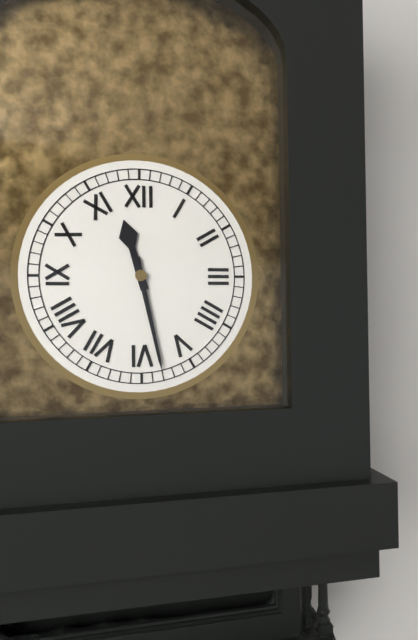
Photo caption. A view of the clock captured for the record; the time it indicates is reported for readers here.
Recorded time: 11:28
